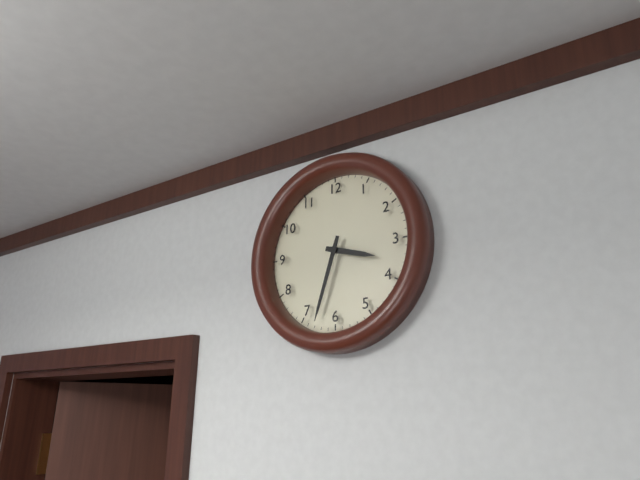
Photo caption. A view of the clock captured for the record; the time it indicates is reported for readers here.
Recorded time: 3:33
